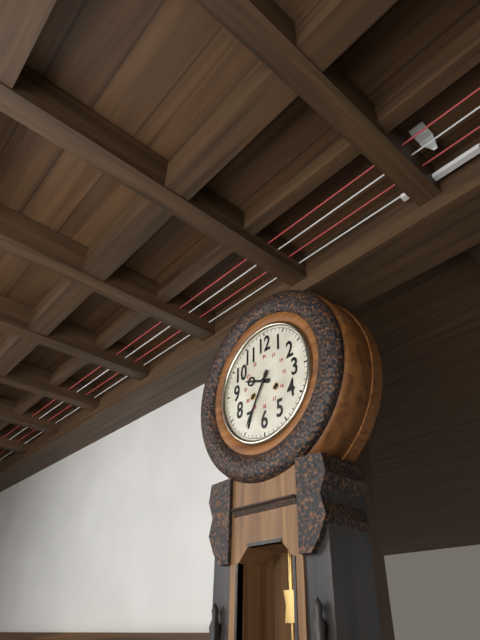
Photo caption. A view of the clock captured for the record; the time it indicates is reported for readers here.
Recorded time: 9:35
